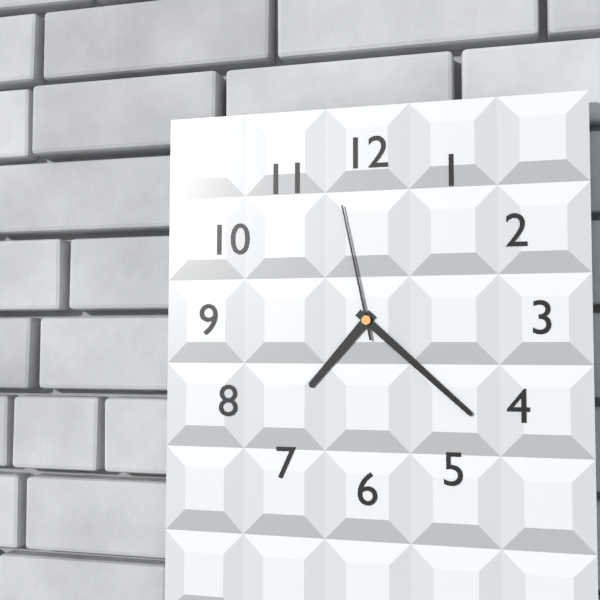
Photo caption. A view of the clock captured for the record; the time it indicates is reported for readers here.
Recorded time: 7:22:58
